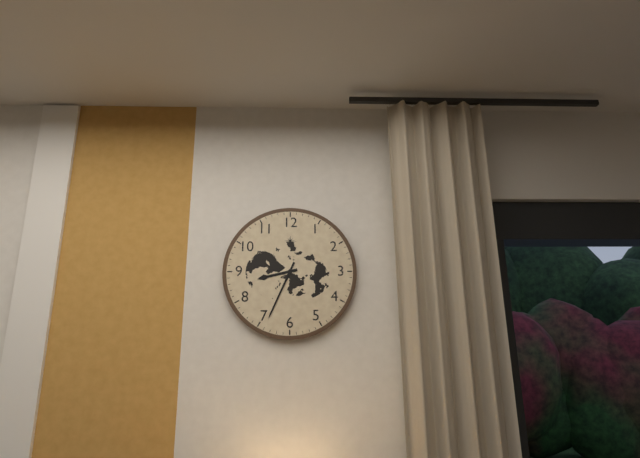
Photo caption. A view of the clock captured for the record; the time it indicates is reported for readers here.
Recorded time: 8:34
